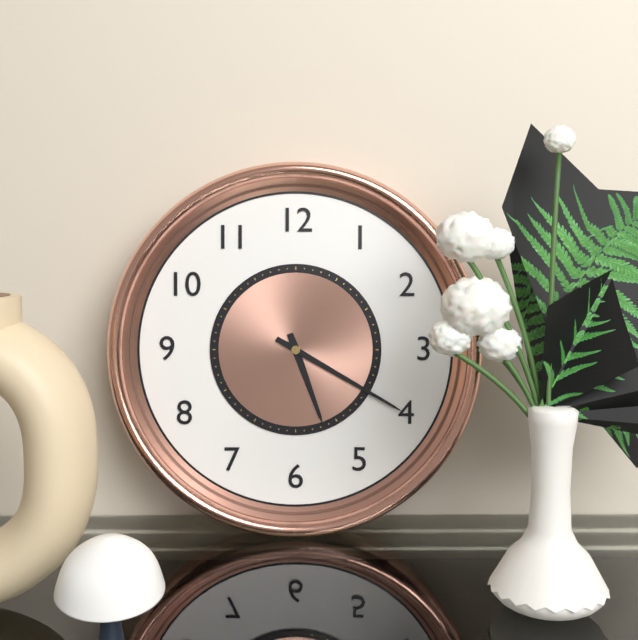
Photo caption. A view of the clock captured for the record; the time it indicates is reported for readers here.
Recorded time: 5:20
